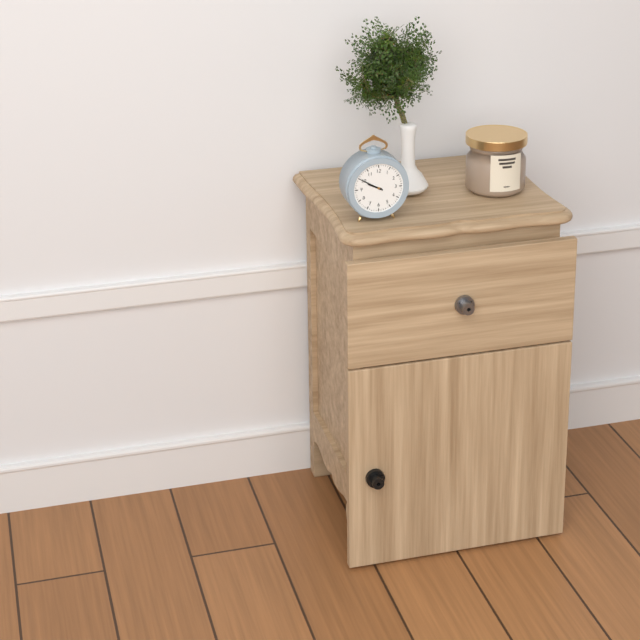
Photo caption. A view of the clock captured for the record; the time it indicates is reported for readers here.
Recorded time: 9:50
